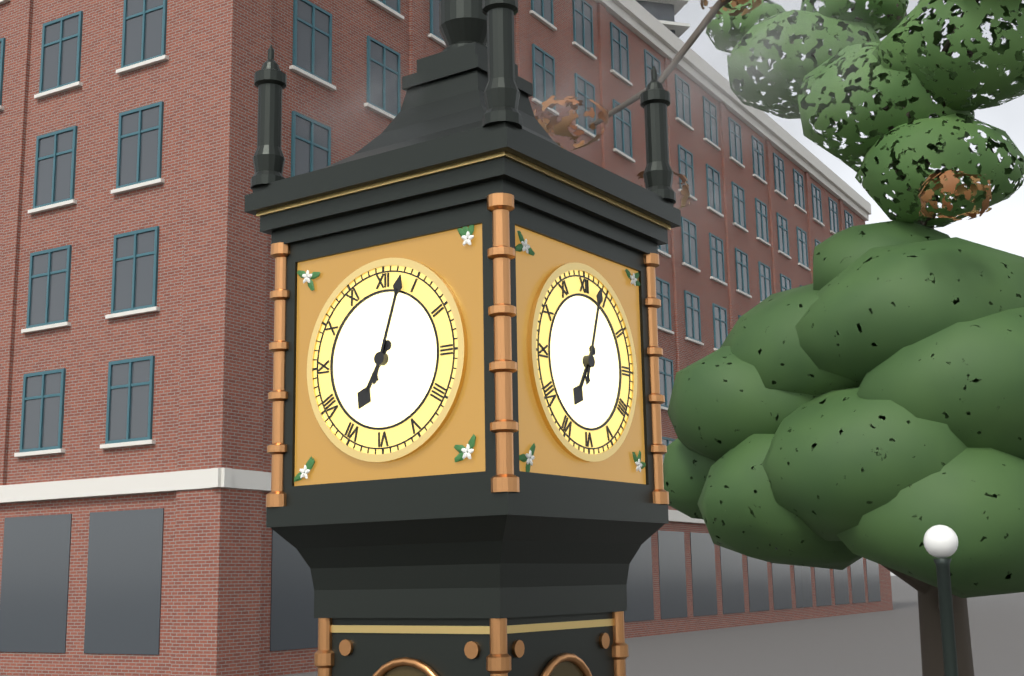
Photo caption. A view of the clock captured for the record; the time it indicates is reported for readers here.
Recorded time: 7:03
